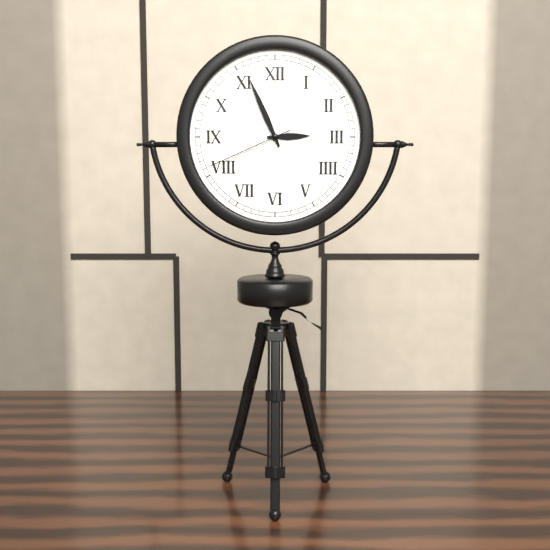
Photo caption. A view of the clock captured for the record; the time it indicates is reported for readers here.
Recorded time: 2:56:41
